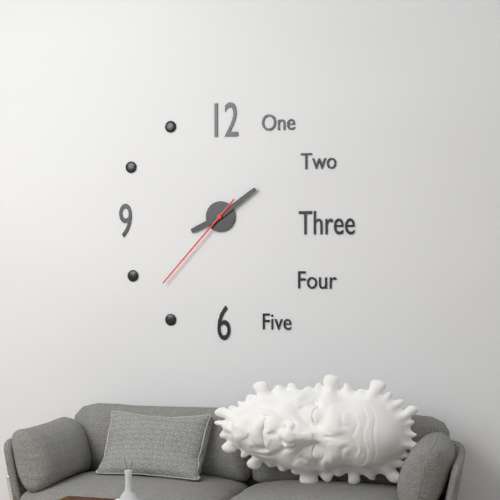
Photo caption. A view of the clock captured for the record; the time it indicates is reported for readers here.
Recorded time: 8:09:37
